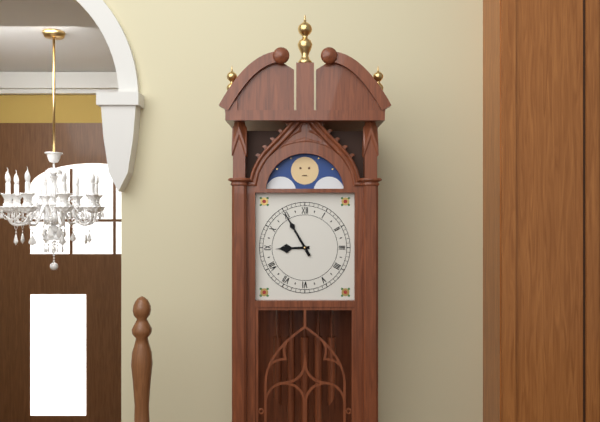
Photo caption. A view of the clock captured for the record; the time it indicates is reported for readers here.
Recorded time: 8:55
